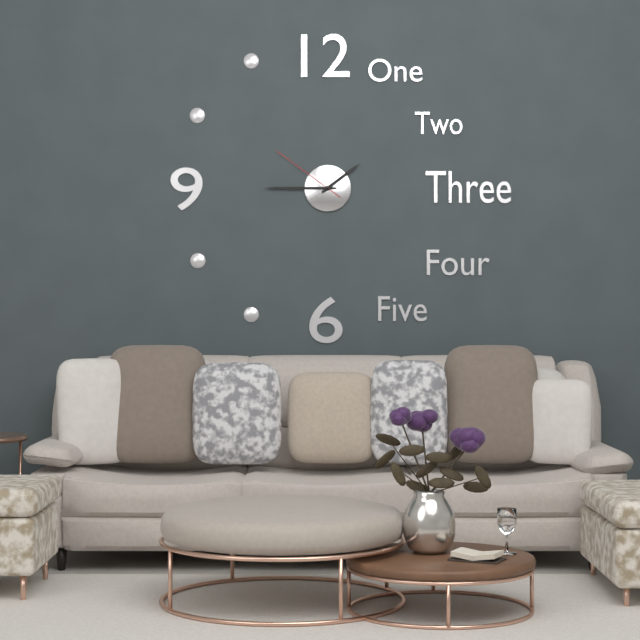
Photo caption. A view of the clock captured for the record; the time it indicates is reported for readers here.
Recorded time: 1:45:51
